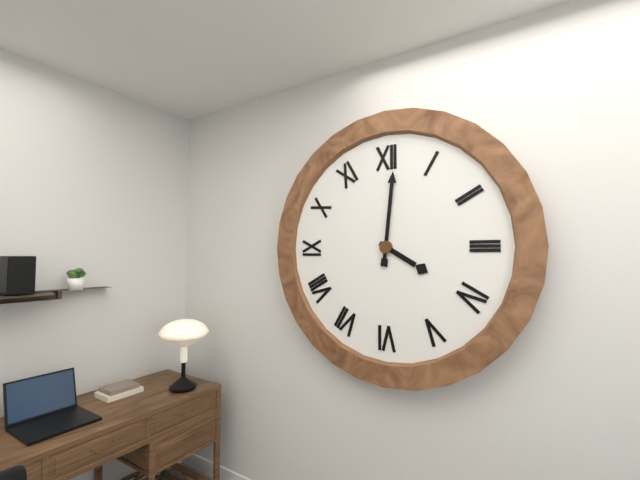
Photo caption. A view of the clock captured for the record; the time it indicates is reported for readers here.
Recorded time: 4:01
